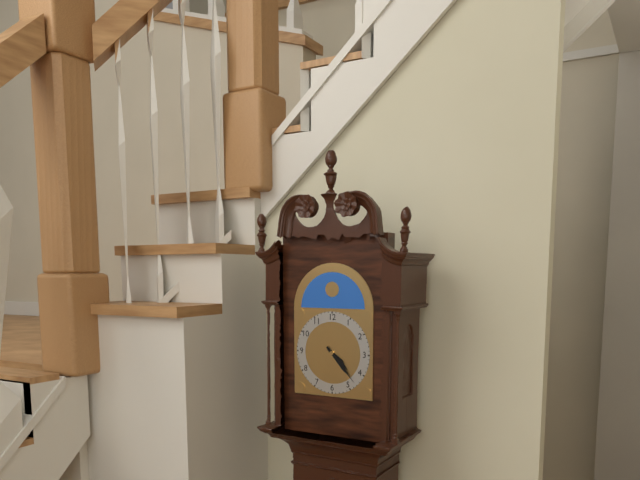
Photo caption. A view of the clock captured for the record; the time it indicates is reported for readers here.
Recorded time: 4:23
